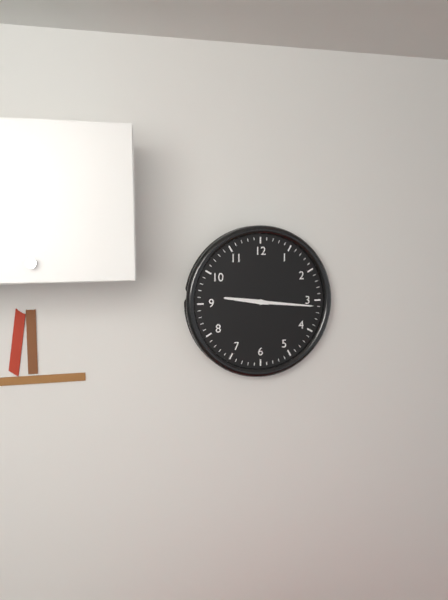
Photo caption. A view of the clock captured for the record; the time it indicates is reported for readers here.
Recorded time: 9:16
